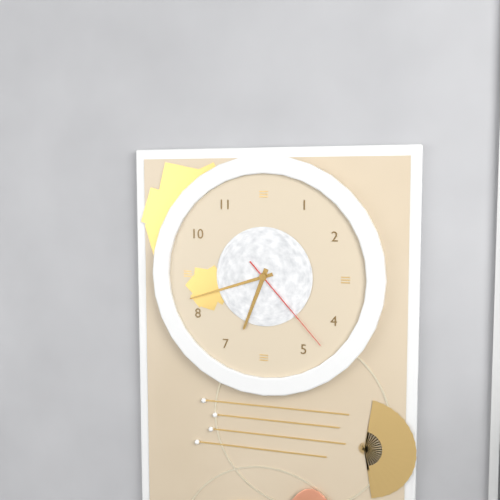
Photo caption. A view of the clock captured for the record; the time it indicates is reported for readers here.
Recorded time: 6:42:23
